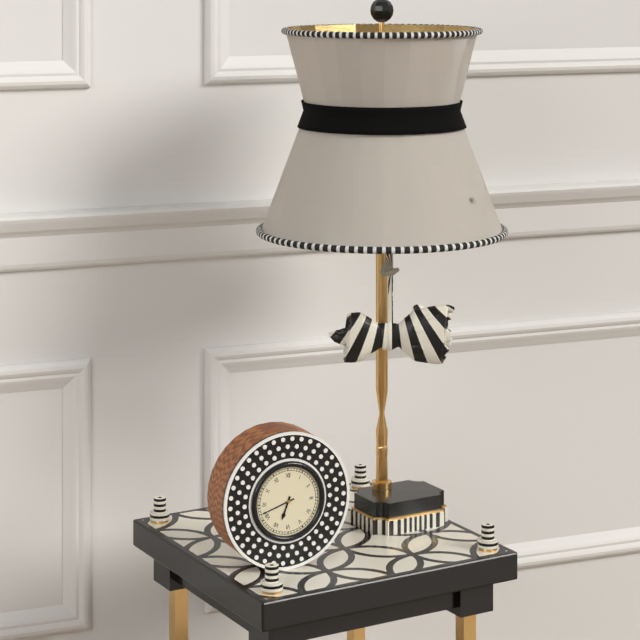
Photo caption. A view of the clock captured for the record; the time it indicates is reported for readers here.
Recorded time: 6:42
